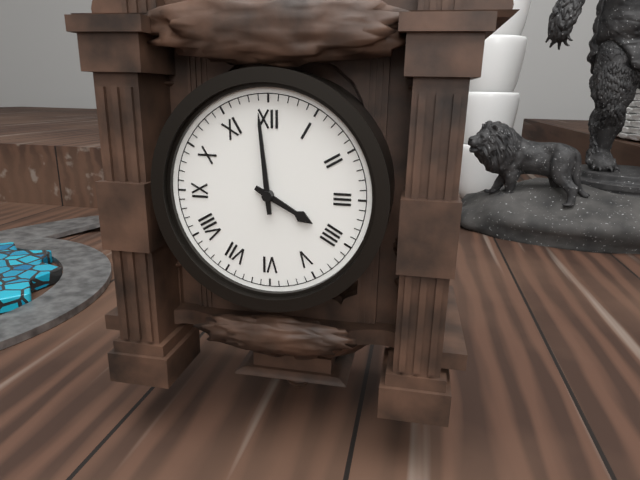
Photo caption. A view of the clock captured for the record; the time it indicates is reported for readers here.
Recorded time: 3:59
